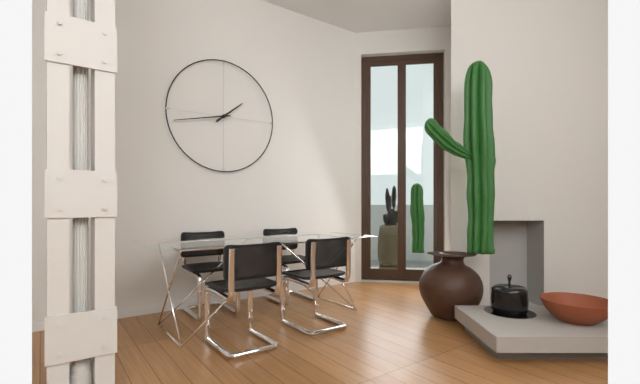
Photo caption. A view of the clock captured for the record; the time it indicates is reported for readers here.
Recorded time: 1:43
